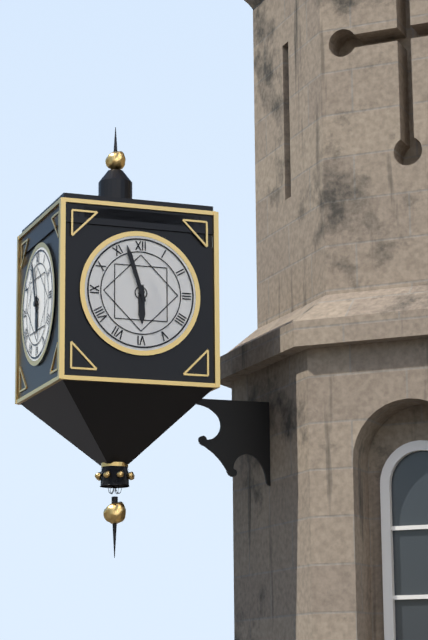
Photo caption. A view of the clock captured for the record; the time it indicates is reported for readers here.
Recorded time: 5:57
